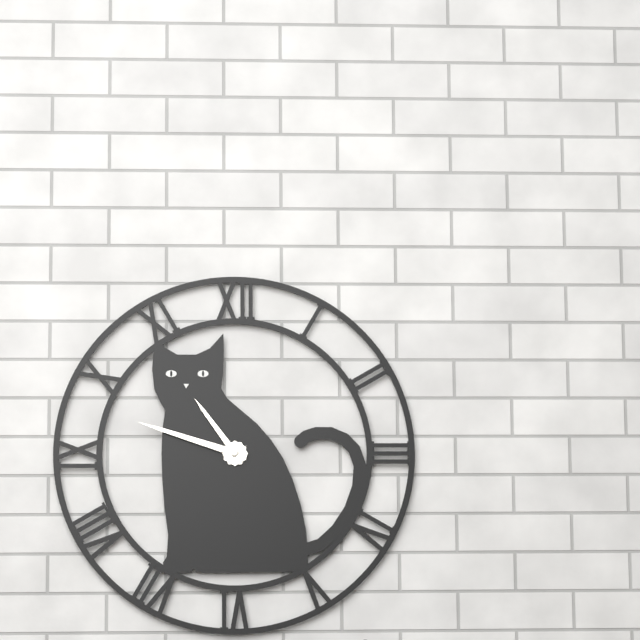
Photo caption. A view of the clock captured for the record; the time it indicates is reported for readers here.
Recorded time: 10:48
